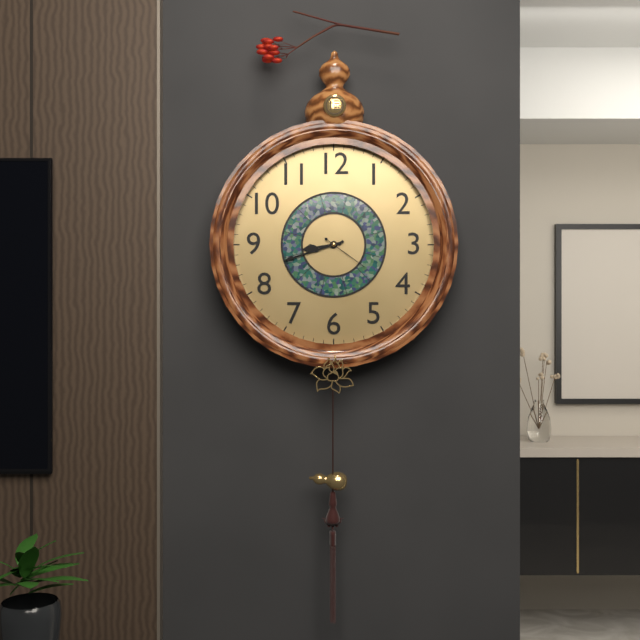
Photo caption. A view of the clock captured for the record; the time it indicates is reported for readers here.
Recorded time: 8:42
